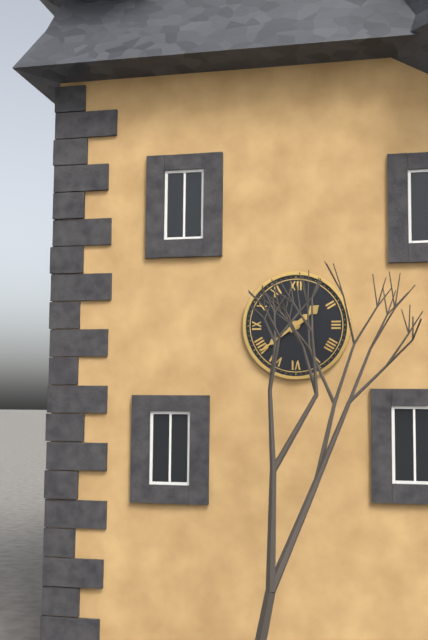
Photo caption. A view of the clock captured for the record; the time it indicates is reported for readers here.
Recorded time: 1:39
